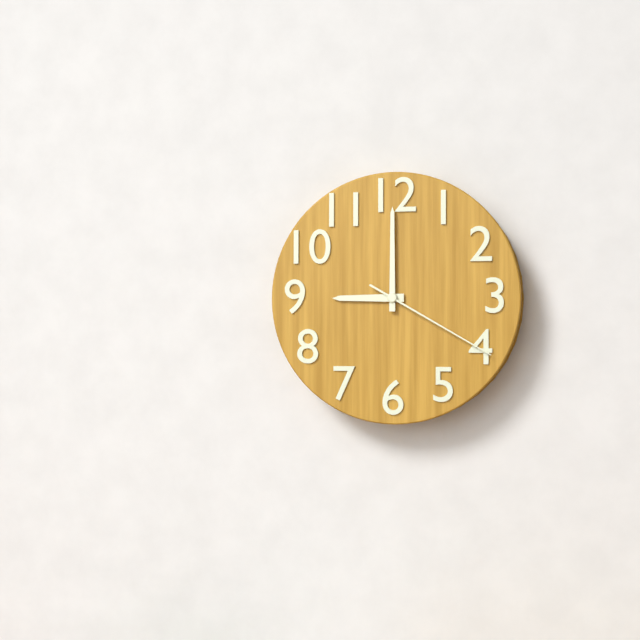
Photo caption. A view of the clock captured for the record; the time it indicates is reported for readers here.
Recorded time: 9:00:20
